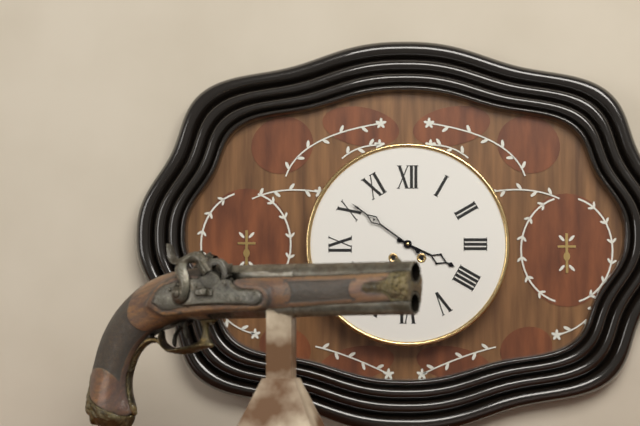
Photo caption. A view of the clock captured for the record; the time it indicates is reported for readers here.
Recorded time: 3:51
